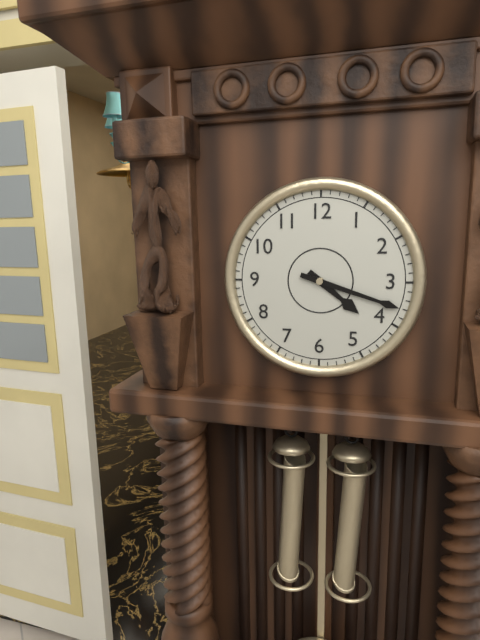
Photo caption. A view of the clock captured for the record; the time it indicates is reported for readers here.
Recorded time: 4:18
